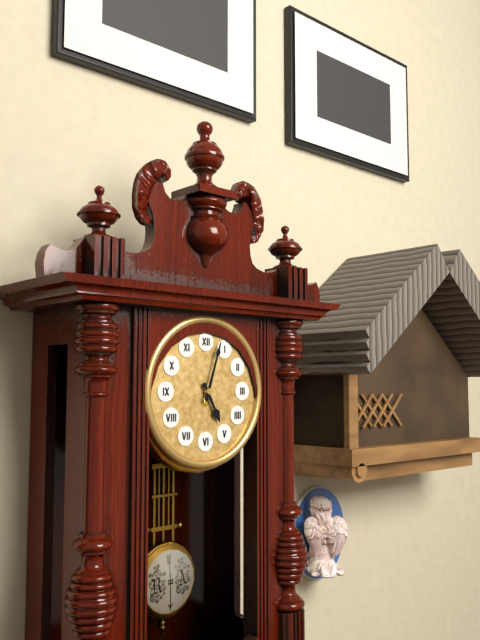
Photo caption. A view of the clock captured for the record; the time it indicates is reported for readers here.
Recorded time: 5:03
